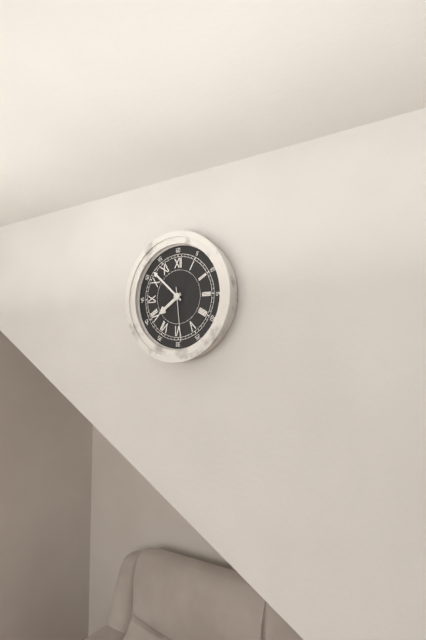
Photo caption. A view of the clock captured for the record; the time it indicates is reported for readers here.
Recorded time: 7:52:29
